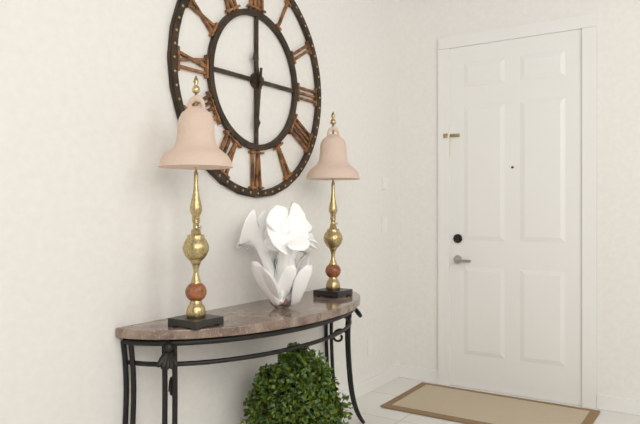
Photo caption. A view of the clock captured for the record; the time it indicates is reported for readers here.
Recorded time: 11:31
